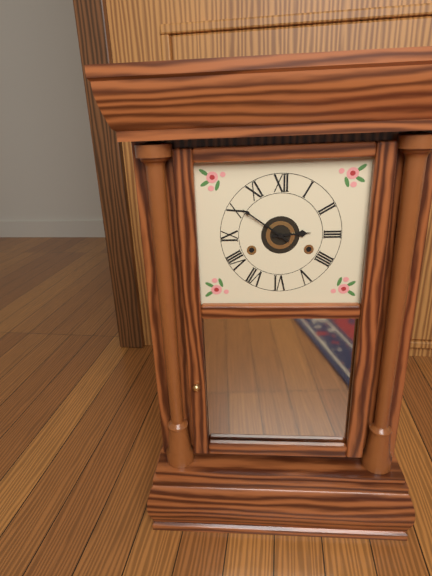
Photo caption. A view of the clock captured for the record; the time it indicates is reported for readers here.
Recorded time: 2:51
